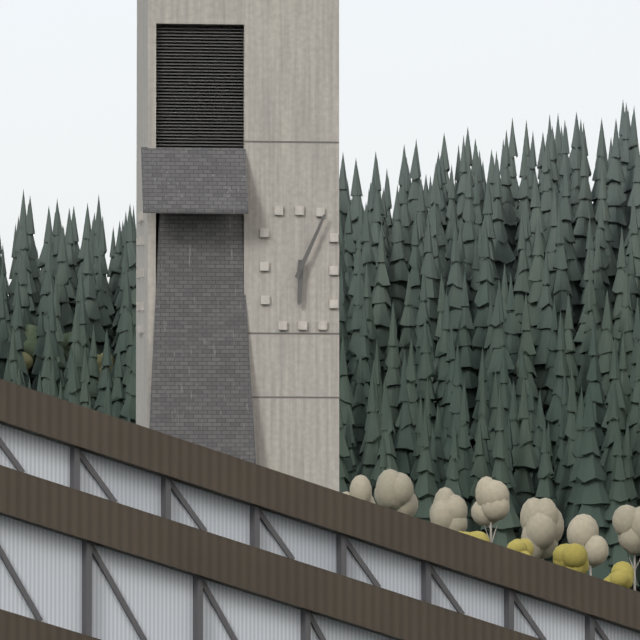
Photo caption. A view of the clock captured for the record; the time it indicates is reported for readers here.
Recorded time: 6:04
